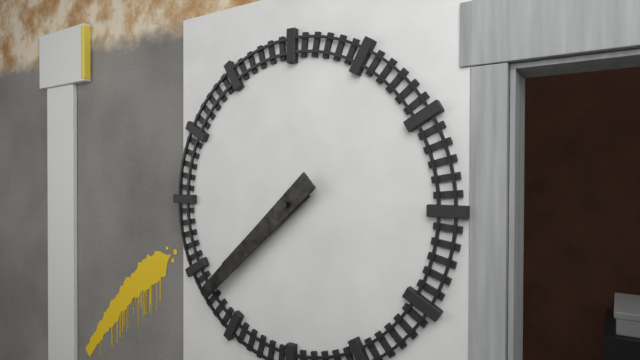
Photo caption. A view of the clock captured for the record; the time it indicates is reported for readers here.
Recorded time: 7:38
